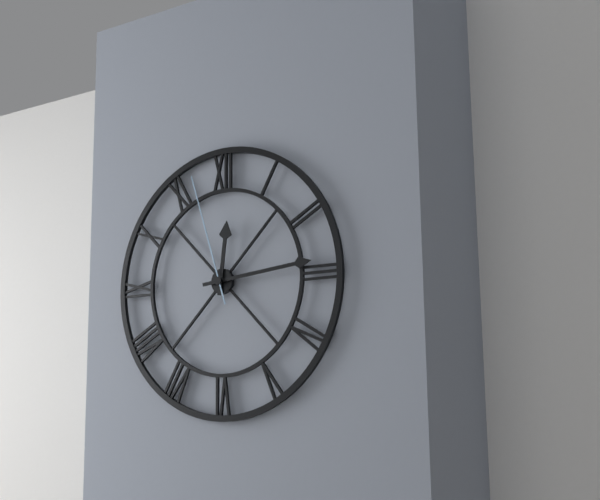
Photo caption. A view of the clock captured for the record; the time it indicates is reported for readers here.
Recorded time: 12:14:57
